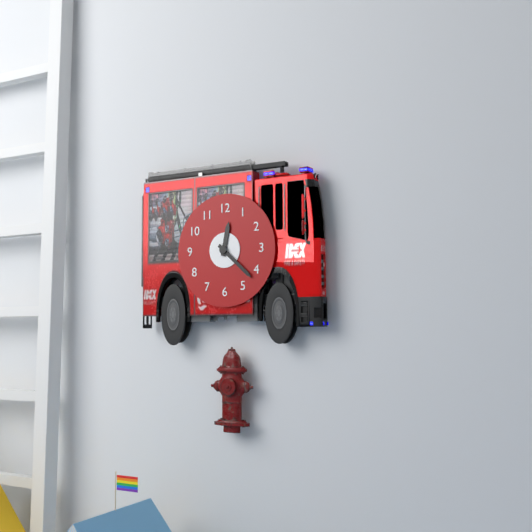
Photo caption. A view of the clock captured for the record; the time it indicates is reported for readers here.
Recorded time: 12:22
